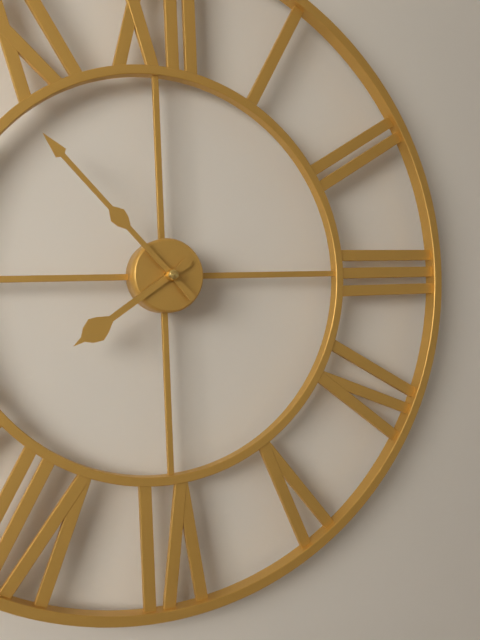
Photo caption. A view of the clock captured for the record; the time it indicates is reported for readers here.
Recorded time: 7:53
